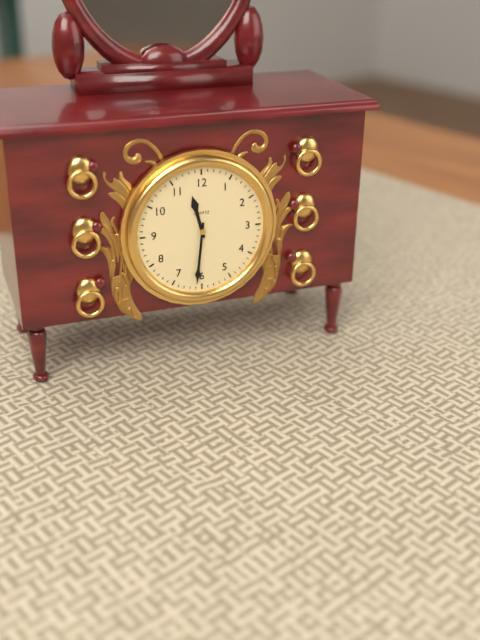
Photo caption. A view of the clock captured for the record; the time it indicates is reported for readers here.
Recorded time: 11:31
